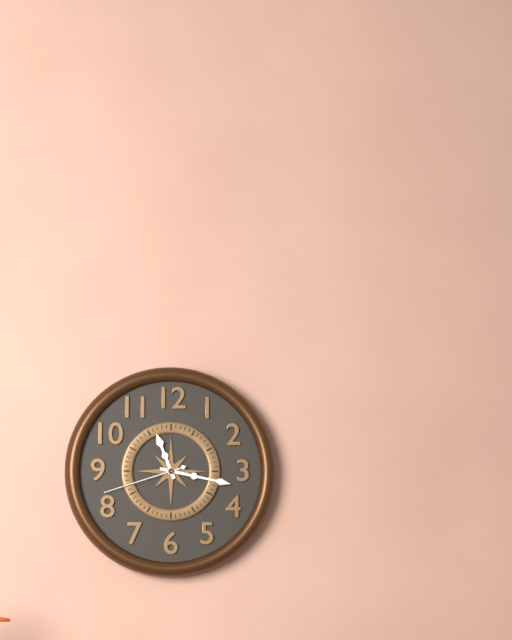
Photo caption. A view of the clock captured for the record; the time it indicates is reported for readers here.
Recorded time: 11:17:42
